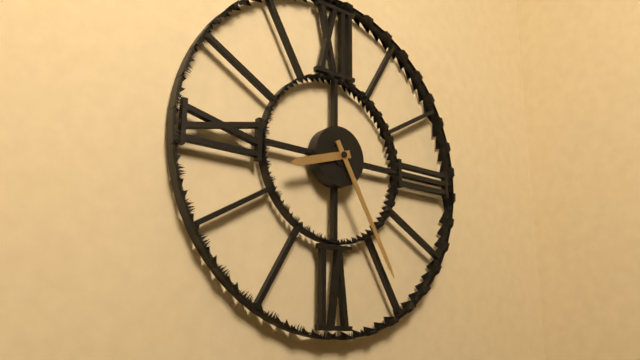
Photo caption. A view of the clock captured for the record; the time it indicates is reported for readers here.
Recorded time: 8:25
